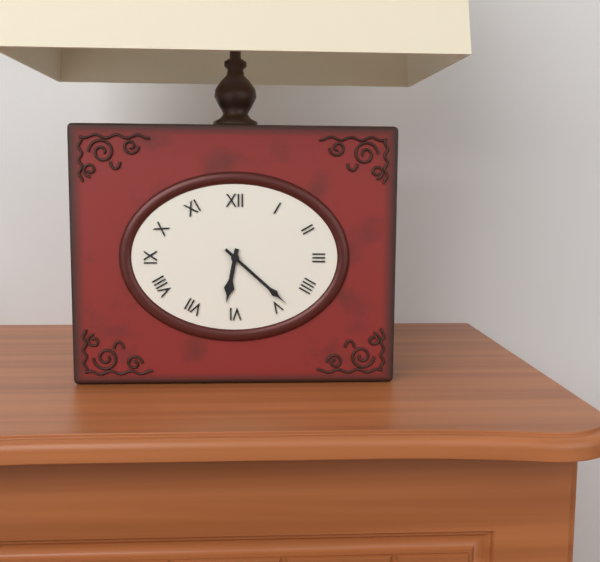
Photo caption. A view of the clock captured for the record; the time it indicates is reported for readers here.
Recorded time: 6:22
